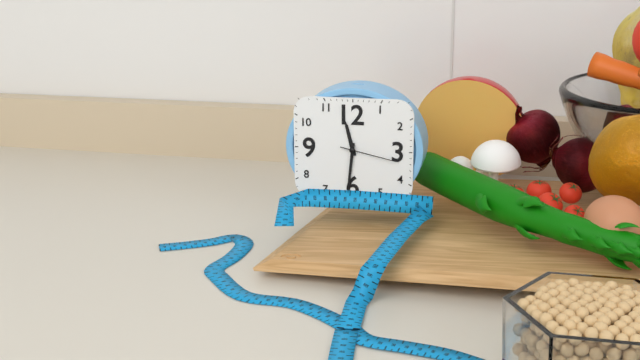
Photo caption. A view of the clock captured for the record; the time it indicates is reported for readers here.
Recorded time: 11:31:17
